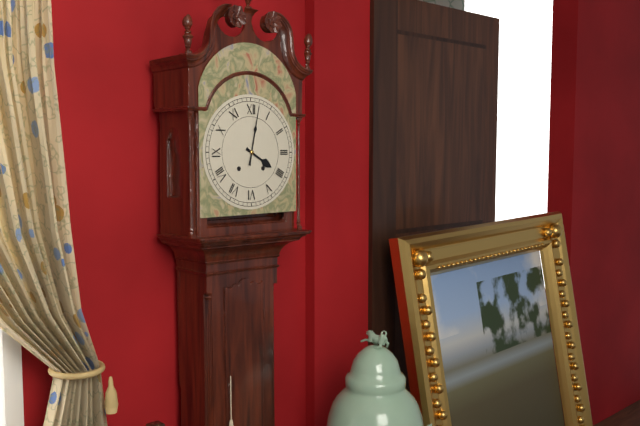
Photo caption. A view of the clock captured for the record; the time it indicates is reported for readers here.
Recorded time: 4:02
